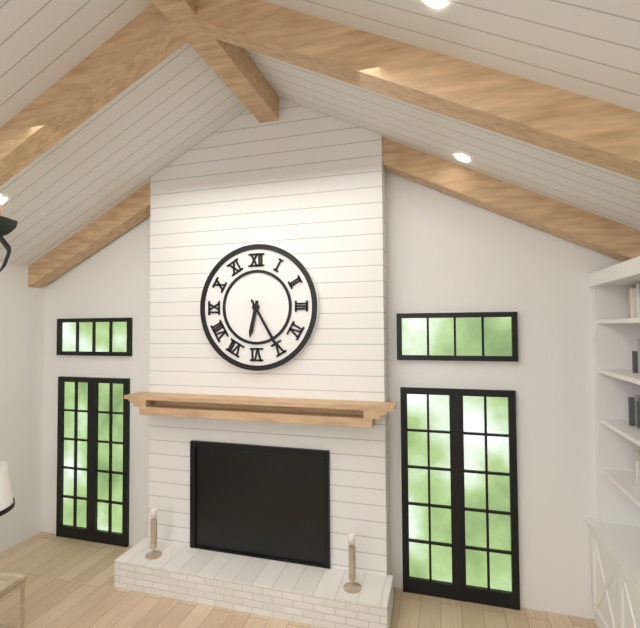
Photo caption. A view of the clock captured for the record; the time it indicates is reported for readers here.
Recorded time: 6:25
